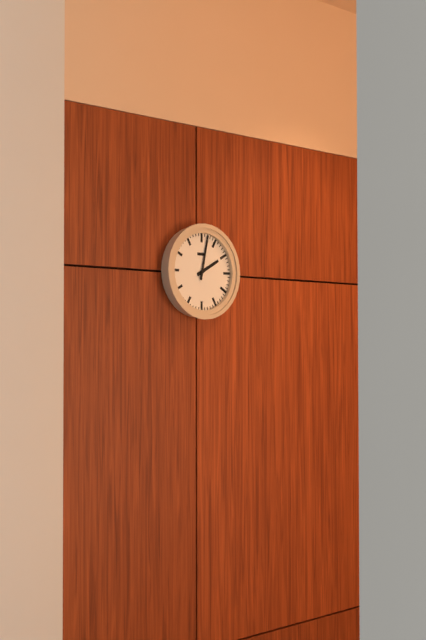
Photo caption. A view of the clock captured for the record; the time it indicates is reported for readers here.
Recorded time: 2:02
